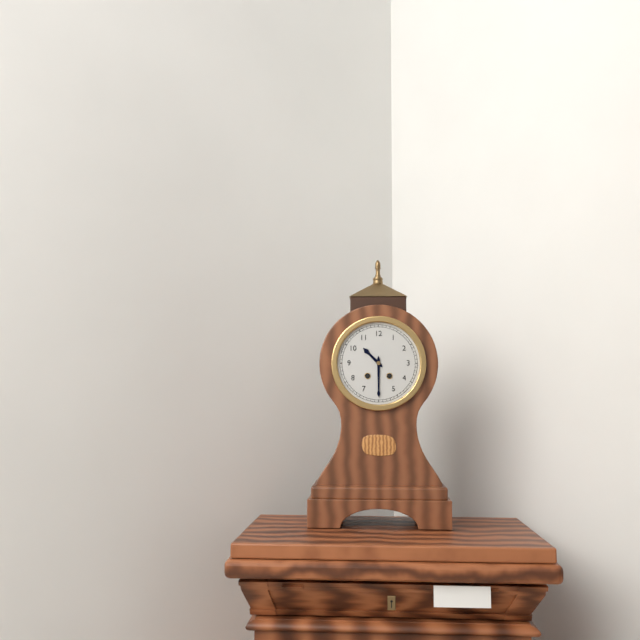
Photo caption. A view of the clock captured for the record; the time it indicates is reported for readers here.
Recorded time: 10:30
